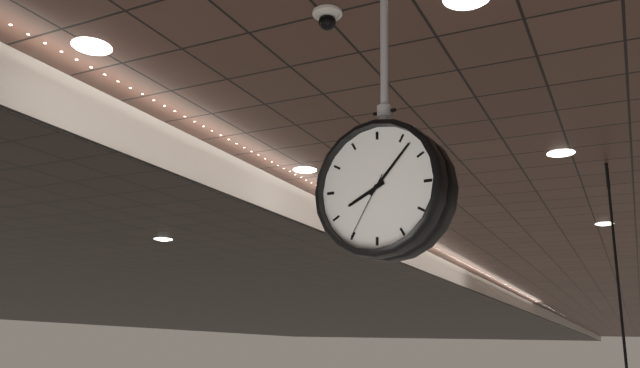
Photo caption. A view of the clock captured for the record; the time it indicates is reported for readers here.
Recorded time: 8:07:35
